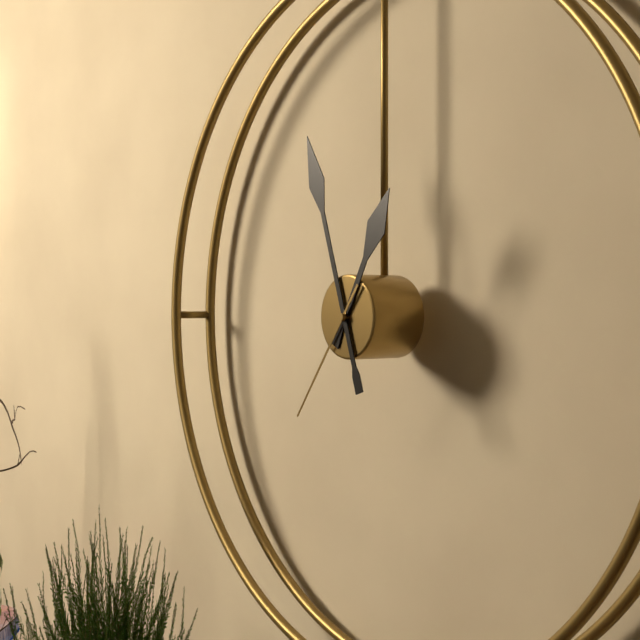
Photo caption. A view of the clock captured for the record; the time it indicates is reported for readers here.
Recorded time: 12:57:36
